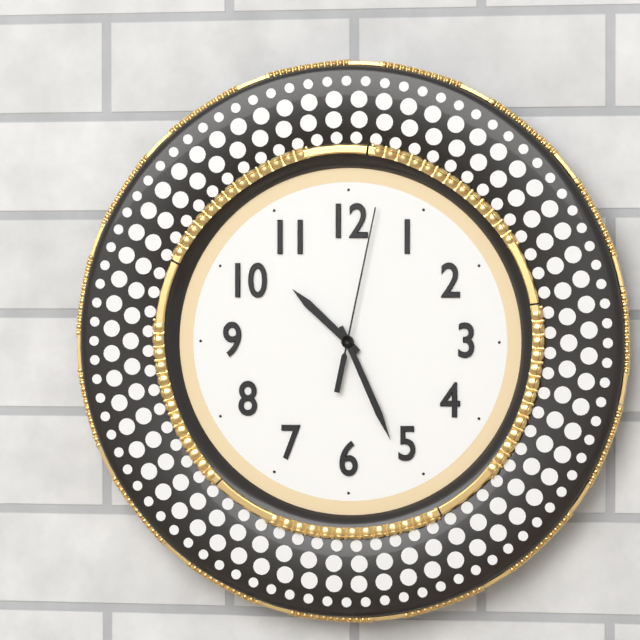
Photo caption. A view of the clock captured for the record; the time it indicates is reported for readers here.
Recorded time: 10:26:02
